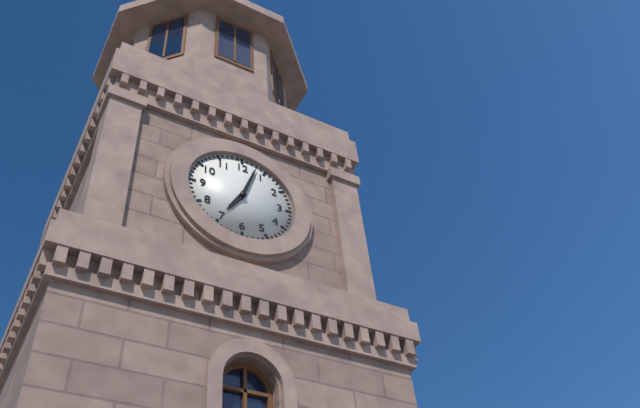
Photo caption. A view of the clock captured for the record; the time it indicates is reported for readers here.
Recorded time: 7:03
